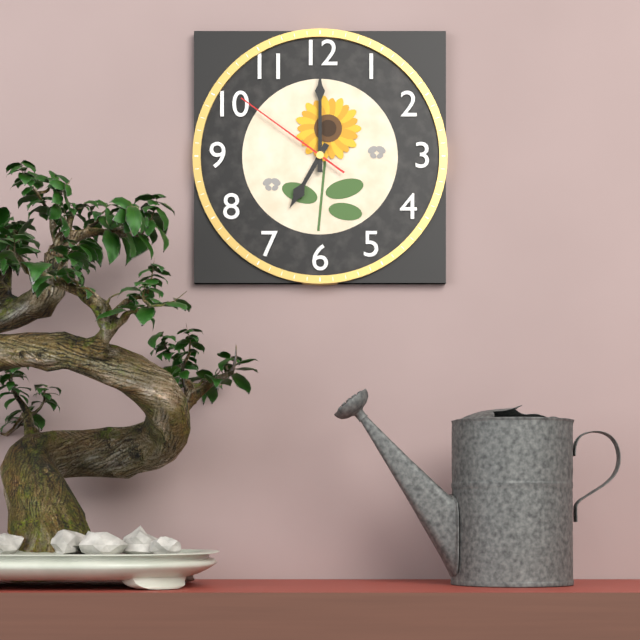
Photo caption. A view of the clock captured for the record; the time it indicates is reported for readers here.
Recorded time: 7:00:51
